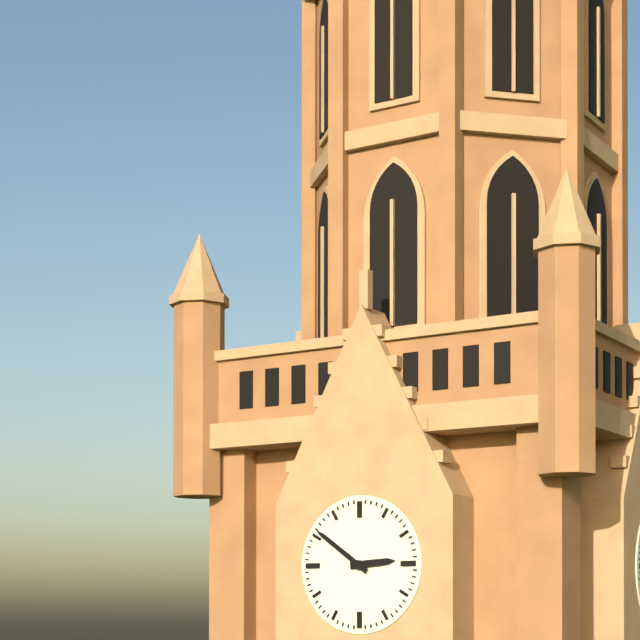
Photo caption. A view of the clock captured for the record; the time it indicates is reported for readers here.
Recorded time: 2:51
